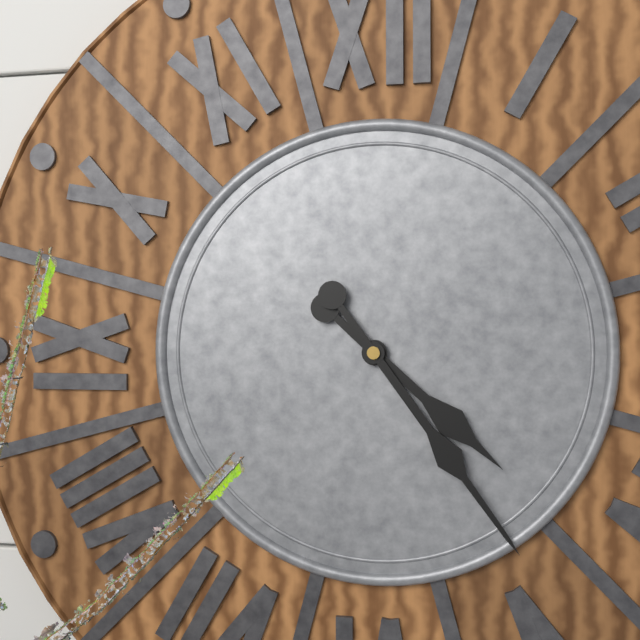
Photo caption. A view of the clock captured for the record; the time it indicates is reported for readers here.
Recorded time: 4:24
